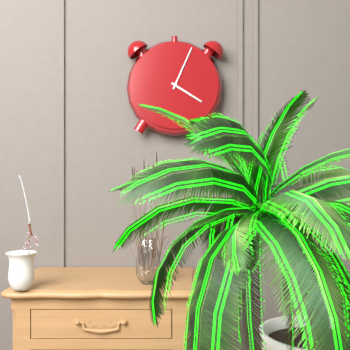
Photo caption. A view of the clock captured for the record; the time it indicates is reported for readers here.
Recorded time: 4:04
